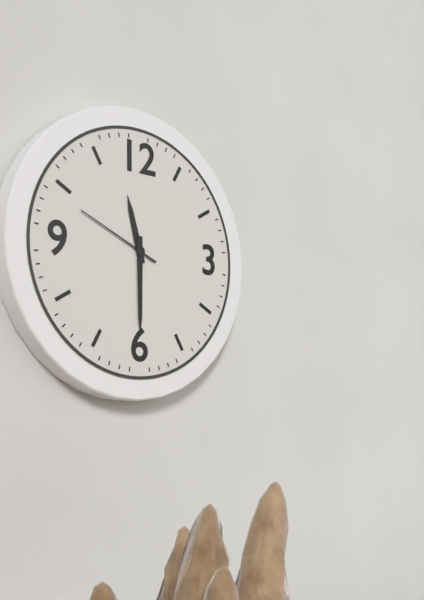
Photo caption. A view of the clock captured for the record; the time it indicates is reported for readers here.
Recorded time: 11:30:49
